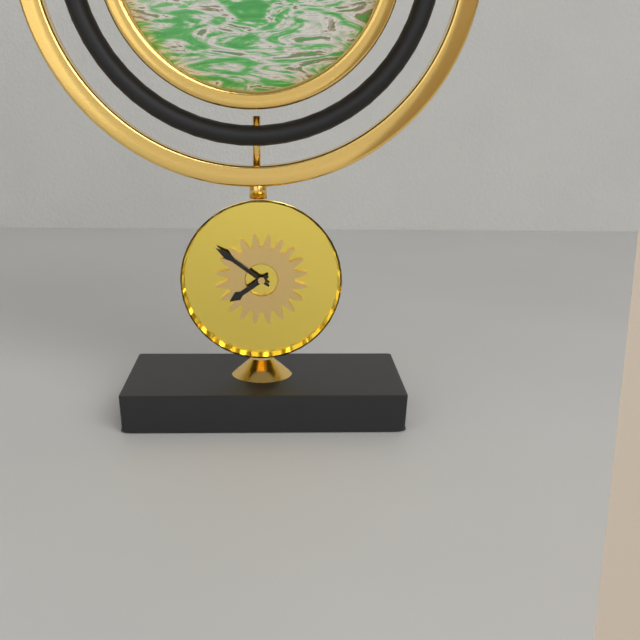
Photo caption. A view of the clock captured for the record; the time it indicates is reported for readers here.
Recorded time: 7:51
